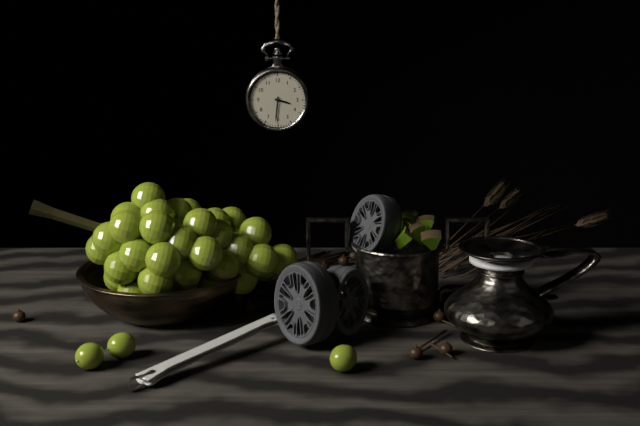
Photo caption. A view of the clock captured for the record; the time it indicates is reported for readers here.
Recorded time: 3:31
